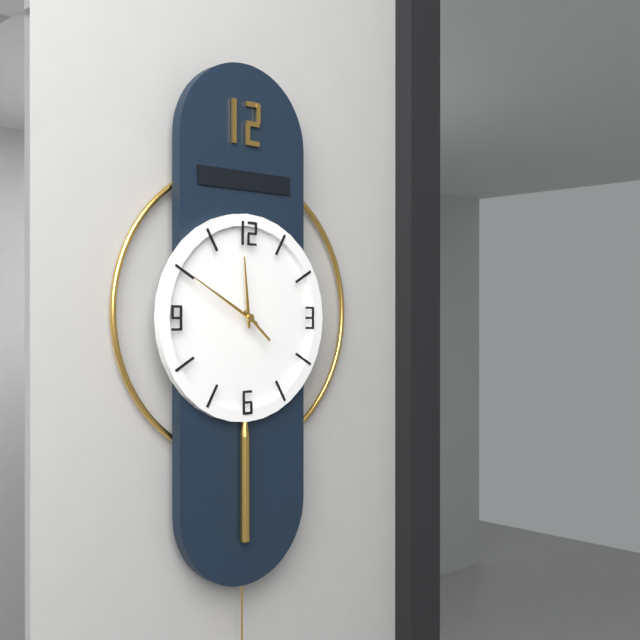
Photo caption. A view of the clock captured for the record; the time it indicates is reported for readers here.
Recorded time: 11:50
